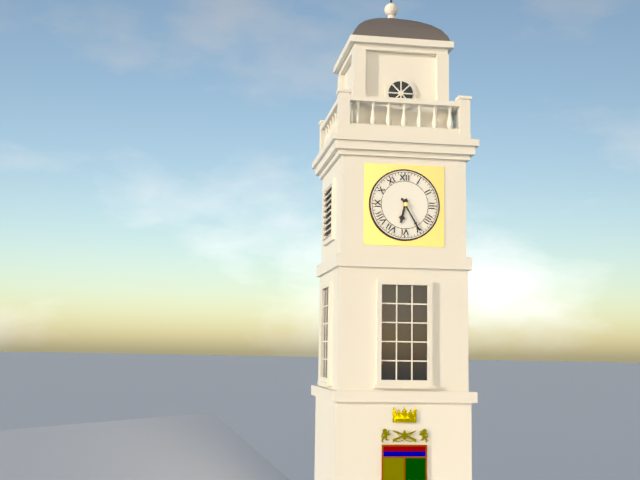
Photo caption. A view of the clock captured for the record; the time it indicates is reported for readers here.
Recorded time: 6:25
